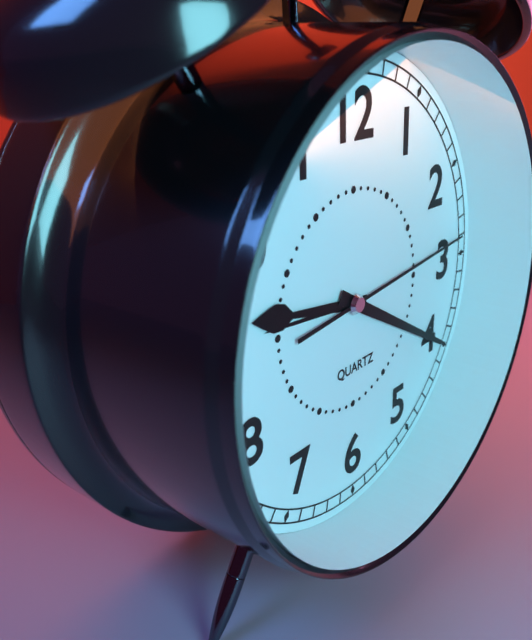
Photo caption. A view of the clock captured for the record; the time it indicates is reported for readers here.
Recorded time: 9:20:14
